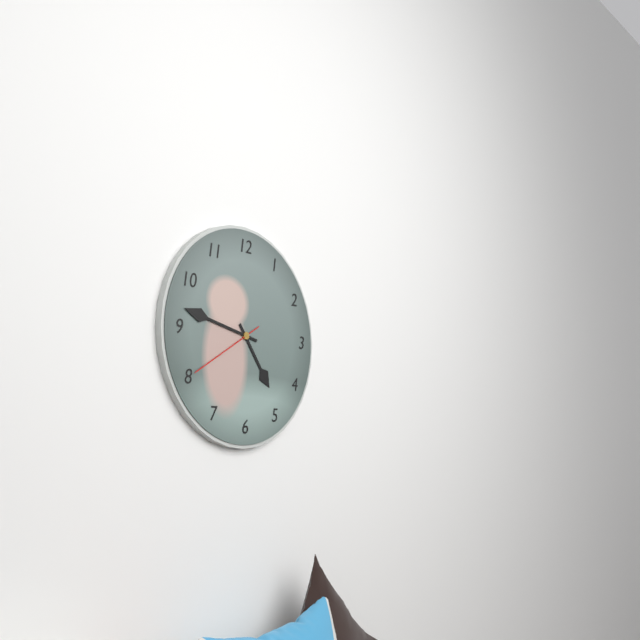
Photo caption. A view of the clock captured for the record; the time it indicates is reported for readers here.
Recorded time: 4:47:40
